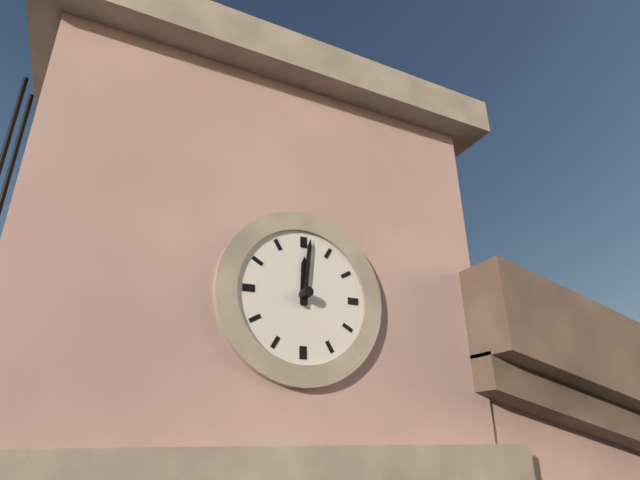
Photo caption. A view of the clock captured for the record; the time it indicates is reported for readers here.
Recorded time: 12:01
